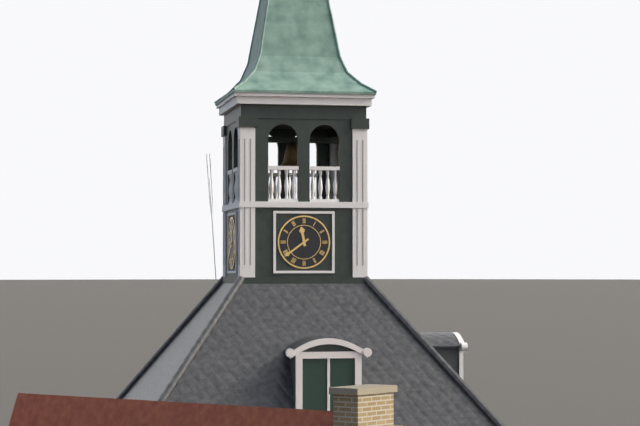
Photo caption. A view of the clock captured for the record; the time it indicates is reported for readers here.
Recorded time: 11:39
